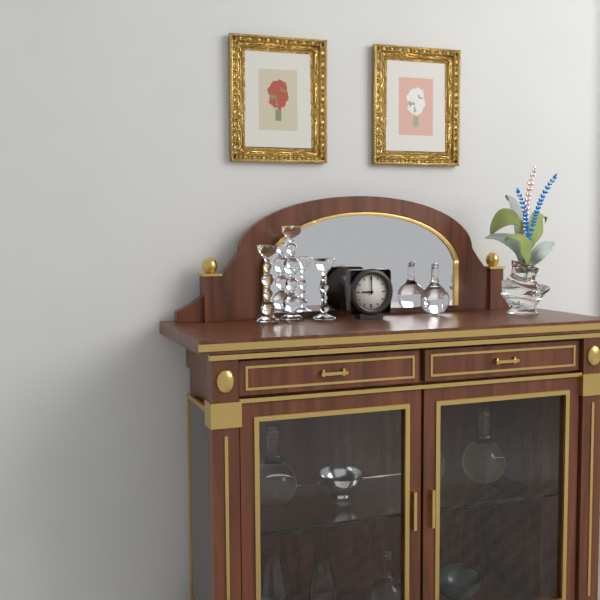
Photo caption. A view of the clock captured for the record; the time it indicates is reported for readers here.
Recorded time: 9:00
